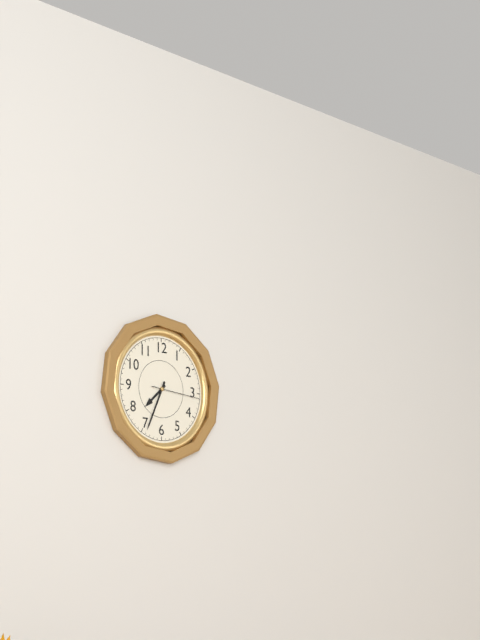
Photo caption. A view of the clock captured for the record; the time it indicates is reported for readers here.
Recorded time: 7:34
